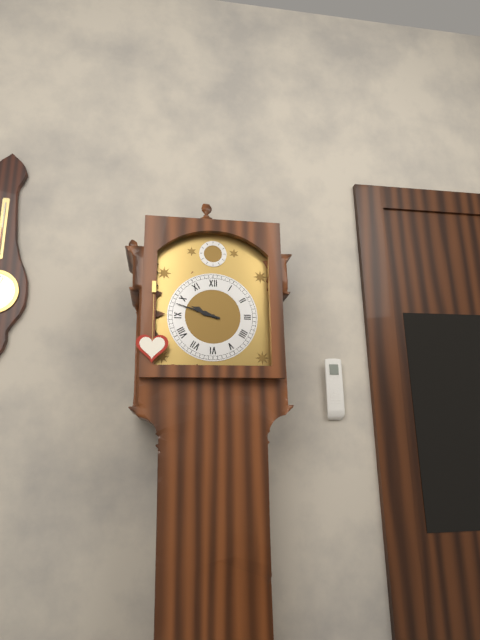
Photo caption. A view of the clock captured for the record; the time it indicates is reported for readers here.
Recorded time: 9:48
